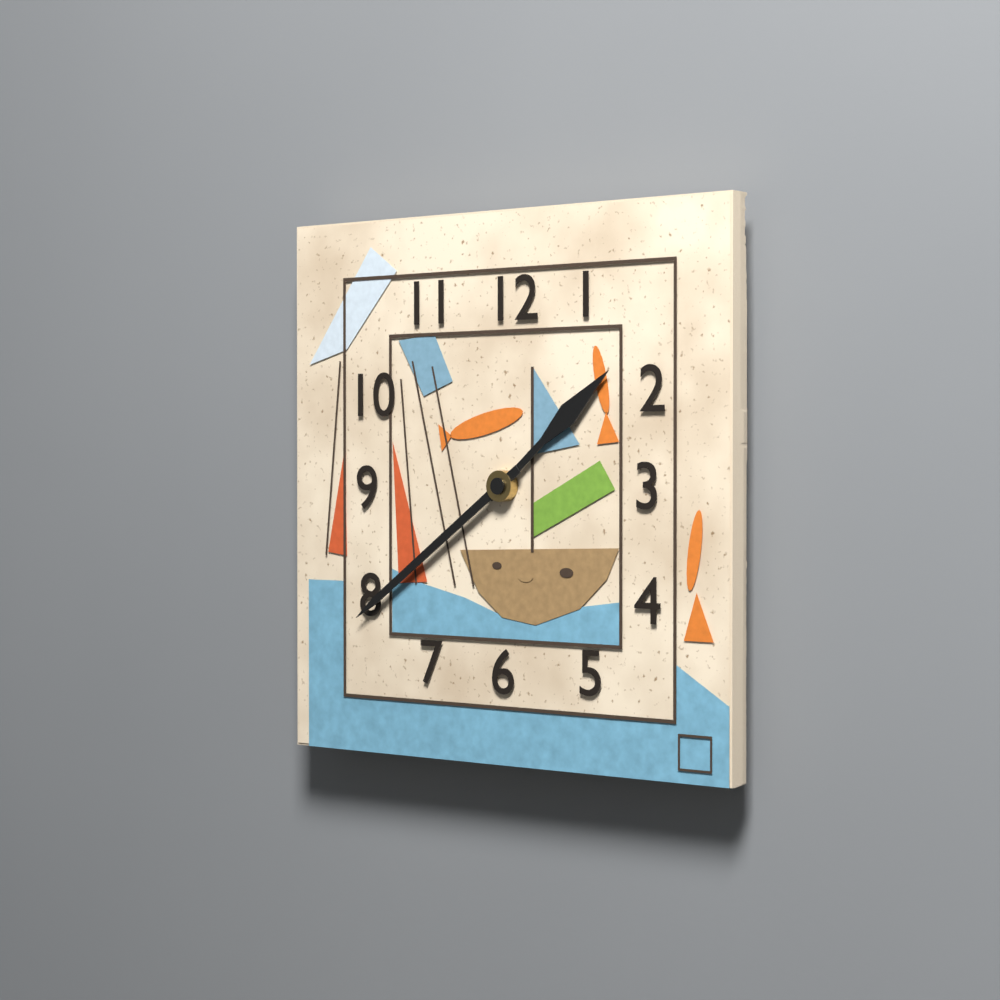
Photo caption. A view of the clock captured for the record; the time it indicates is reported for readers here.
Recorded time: 1:39
